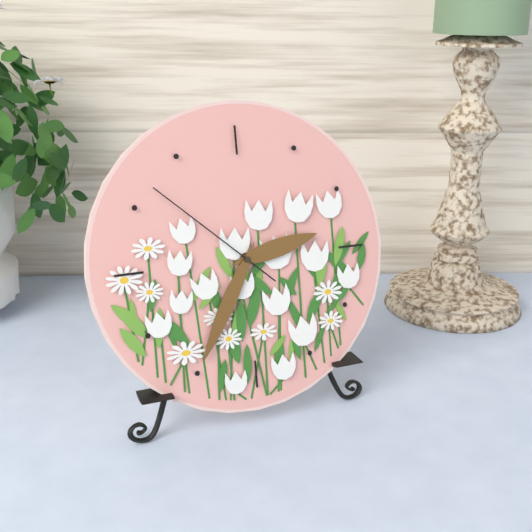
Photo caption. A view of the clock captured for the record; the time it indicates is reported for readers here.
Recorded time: 2:35:52
